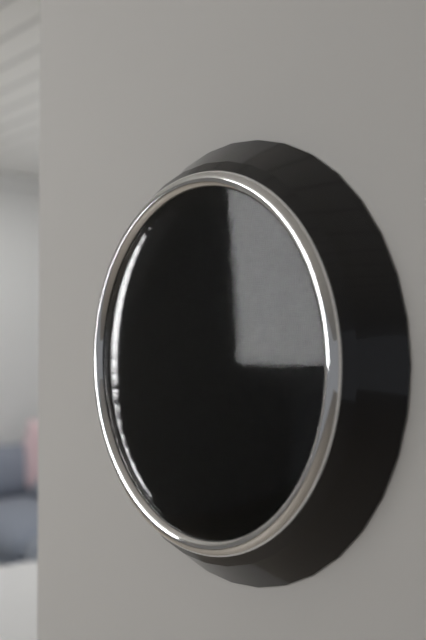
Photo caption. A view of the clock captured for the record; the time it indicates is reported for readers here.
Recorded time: 6:35
